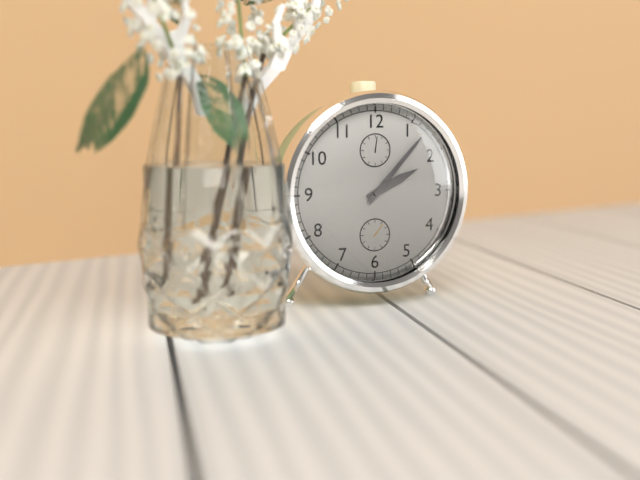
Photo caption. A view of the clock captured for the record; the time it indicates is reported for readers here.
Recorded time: 2:07
